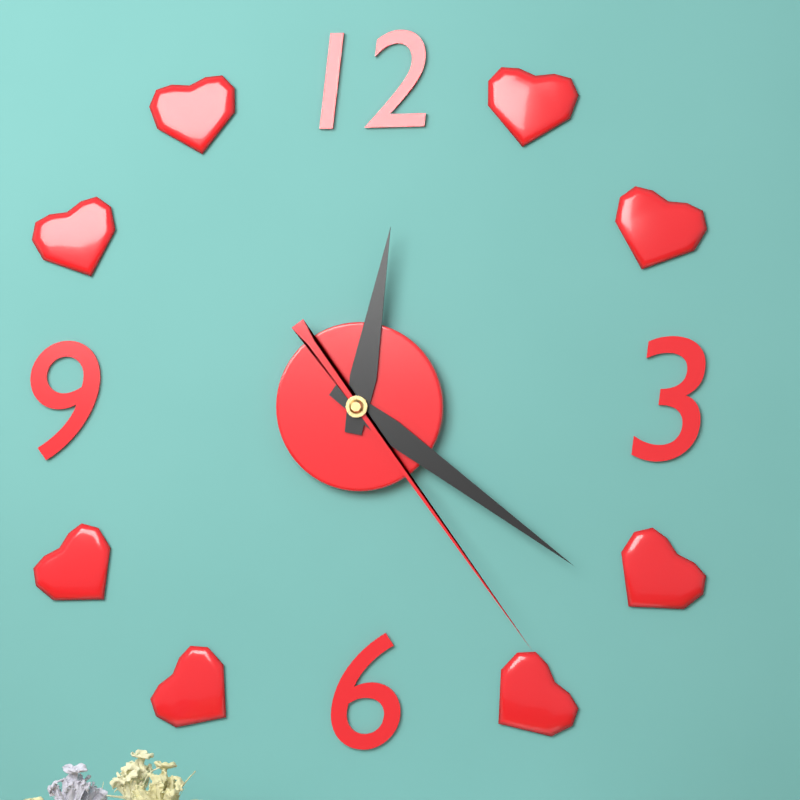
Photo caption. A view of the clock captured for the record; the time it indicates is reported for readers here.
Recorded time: 12:21:24
